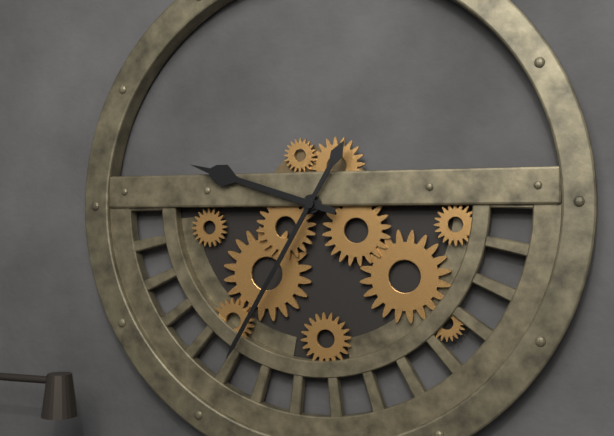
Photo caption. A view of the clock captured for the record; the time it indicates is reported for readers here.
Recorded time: 9:35
